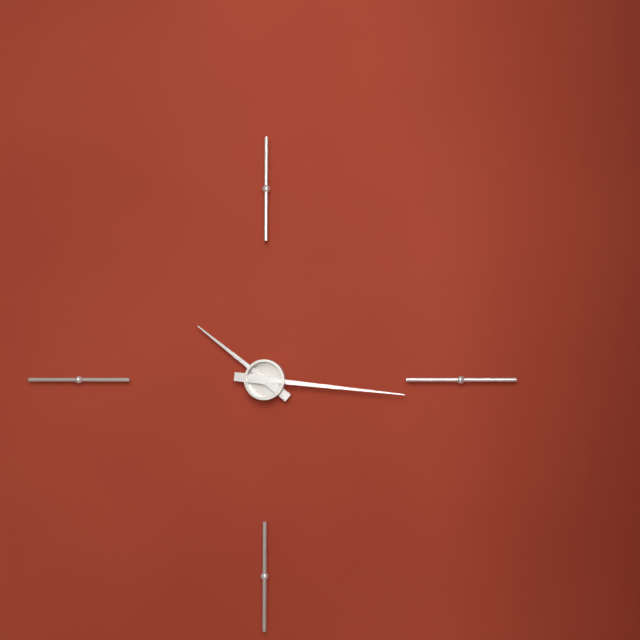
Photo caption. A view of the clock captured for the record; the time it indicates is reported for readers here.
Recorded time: 10:16
